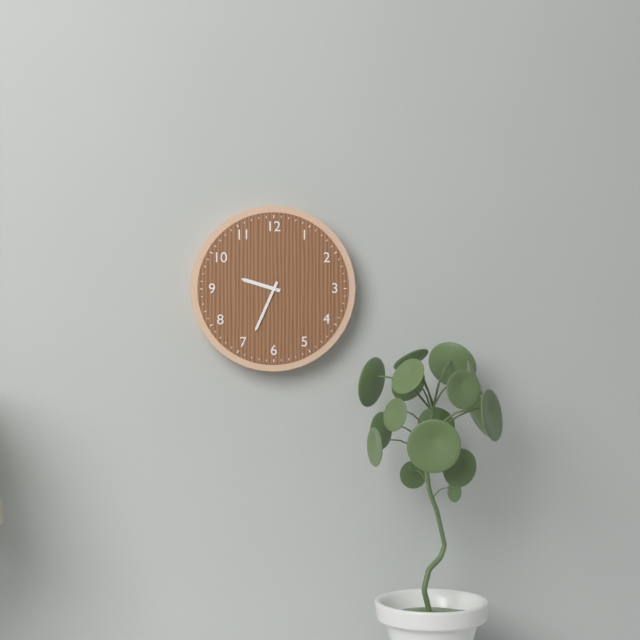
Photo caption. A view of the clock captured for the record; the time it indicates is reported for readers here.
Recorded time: 9:34
